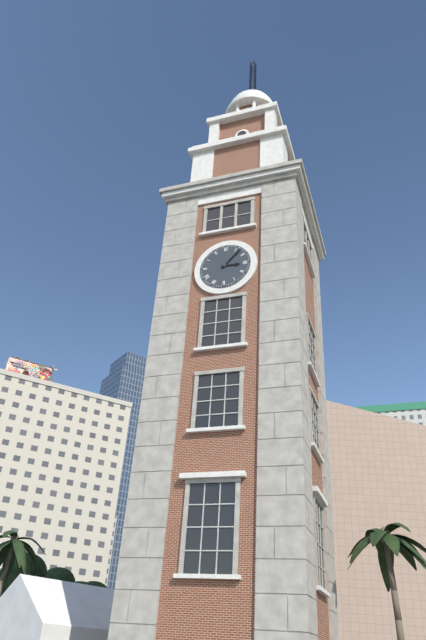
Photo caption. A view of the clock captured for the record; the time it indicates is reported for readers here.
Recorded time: 3:07
